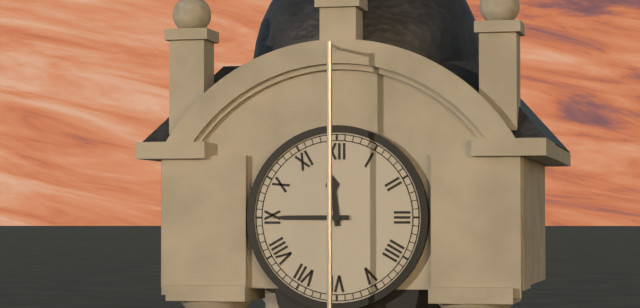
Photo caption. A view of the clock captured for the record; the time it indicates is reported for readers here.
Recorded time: 11:45
